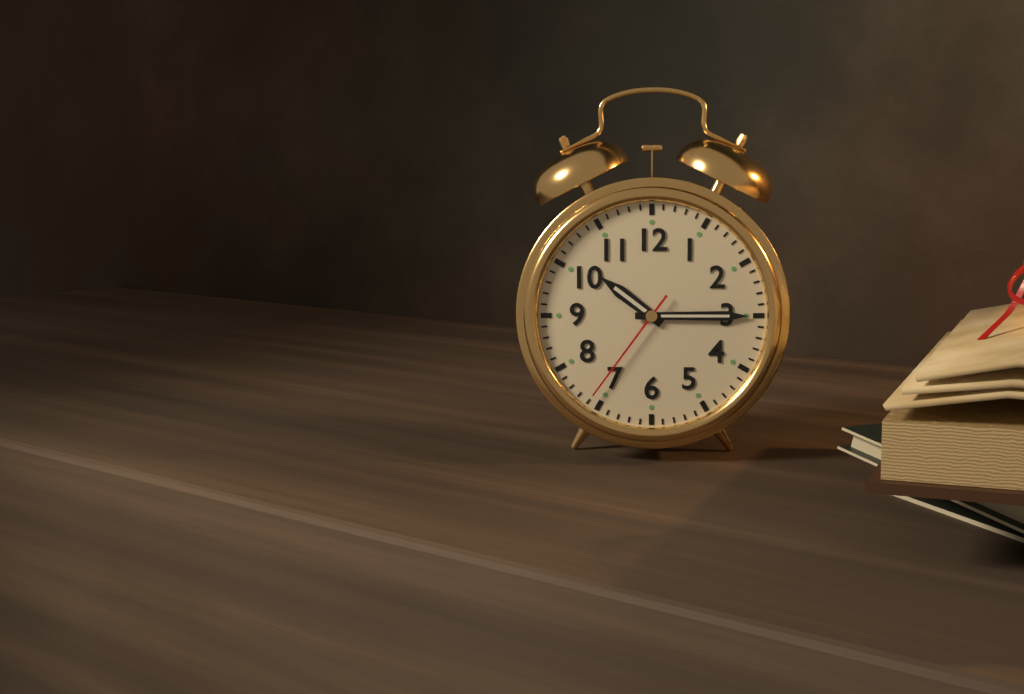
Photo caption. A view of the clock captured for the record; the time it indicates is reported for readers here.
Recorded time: 10:15:36
